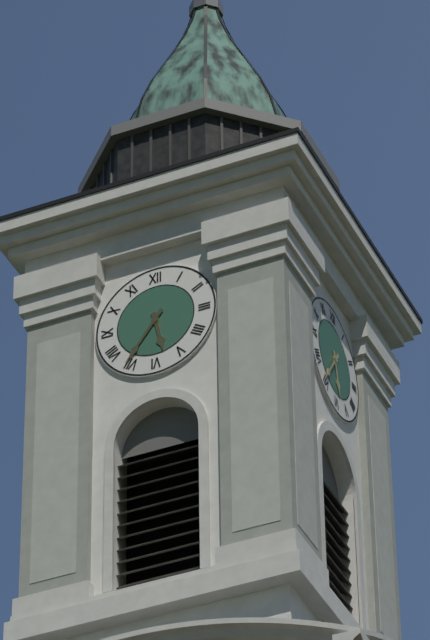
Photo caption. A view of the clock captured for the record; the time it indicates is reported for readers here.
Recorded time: 5:36
